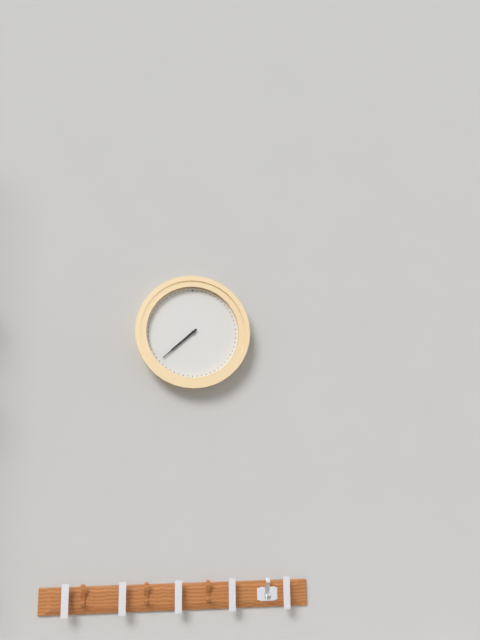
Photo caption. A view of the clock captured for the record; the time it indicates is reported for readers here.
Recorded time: 7:38
